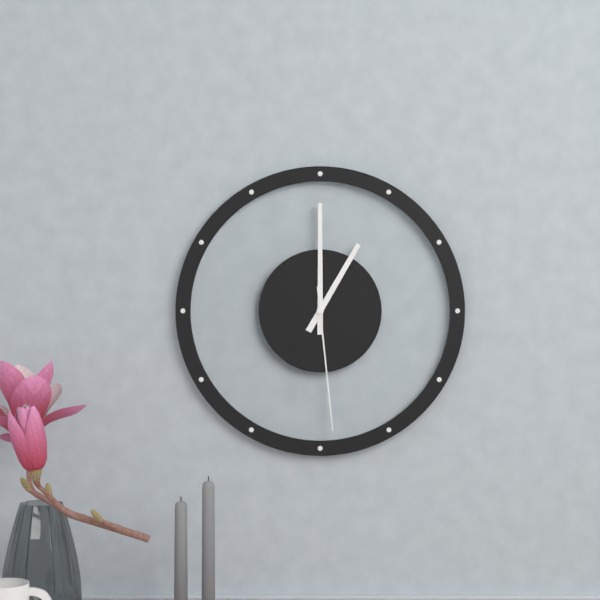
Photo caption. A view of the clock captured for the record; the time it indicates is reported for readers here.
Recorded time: 1:00:29
